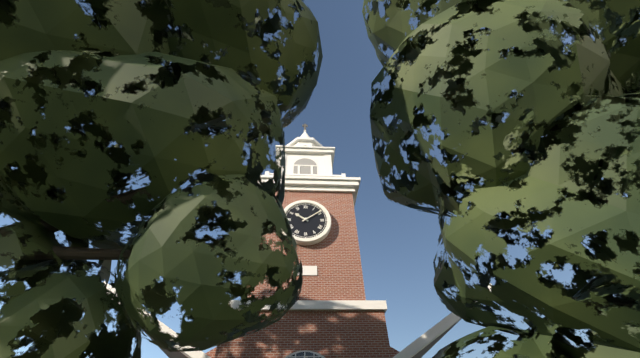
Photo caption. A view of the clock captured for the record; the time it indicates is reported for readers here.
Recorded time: 10:09
